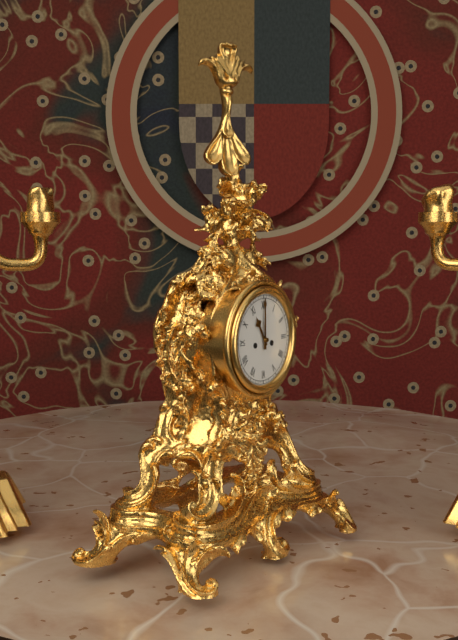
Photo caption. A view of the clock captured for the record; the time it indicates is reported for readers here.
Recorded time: 11:00
